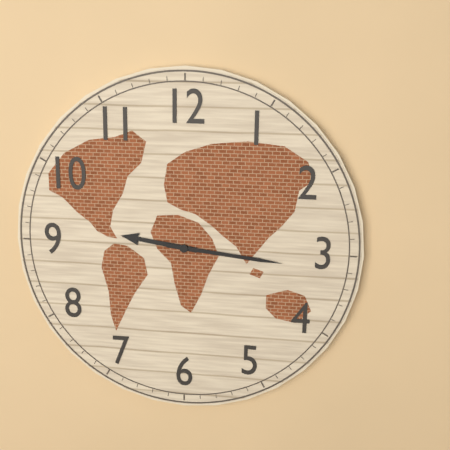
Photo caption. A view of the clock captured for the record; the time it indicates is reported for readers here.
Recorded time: 9:16
